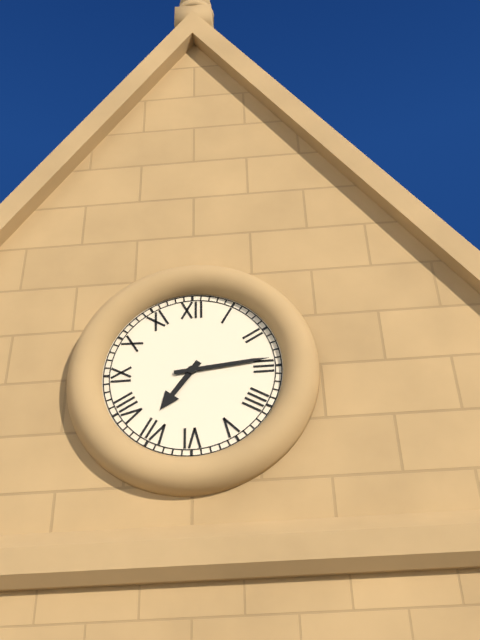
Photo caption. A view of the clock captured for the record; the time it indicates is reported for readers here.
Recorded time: 7:14
